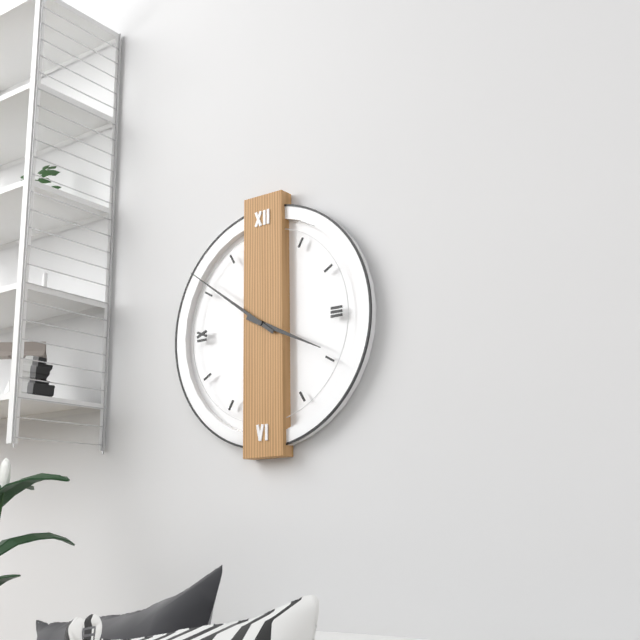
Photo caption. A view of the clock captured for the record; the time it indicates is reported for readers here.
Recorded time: 3:51
